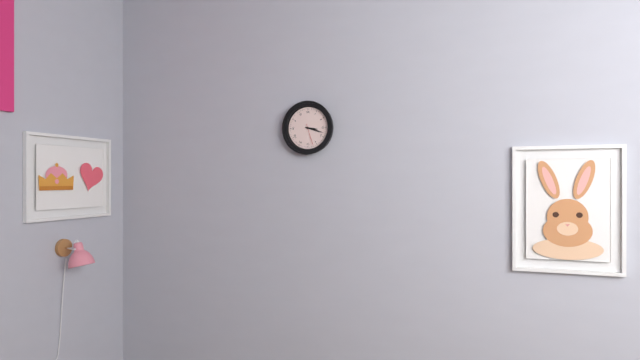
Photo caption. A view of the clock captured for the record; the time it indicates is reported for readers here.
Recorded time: 3:18
